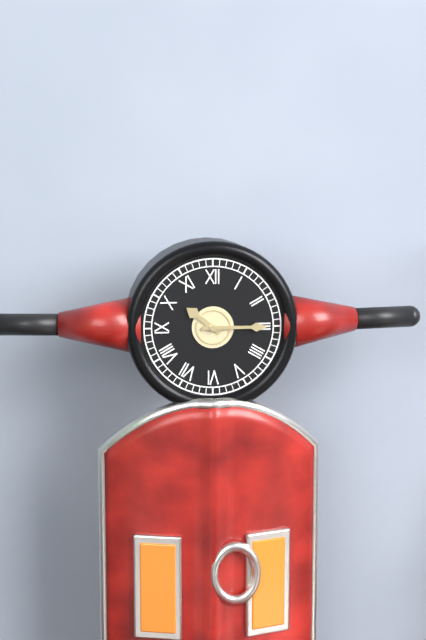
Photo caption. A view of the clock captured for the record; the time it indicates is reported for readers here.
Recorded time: 10:15
